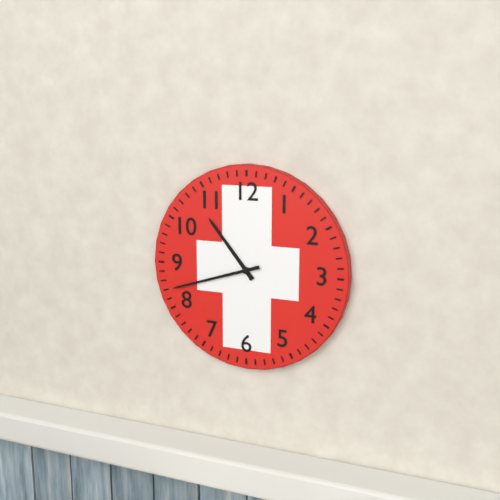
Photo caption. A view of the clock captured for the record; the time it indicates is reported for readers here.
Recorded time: 10:42
